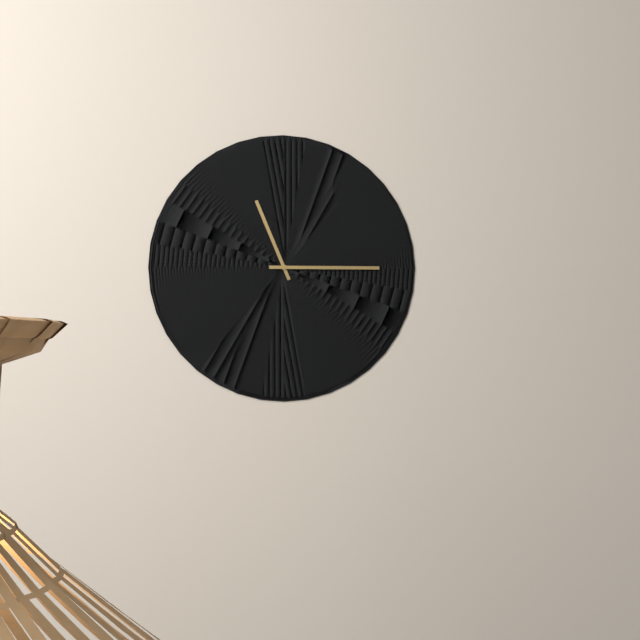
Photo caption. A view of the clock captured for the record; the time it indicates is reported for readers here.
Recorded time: 11:15
